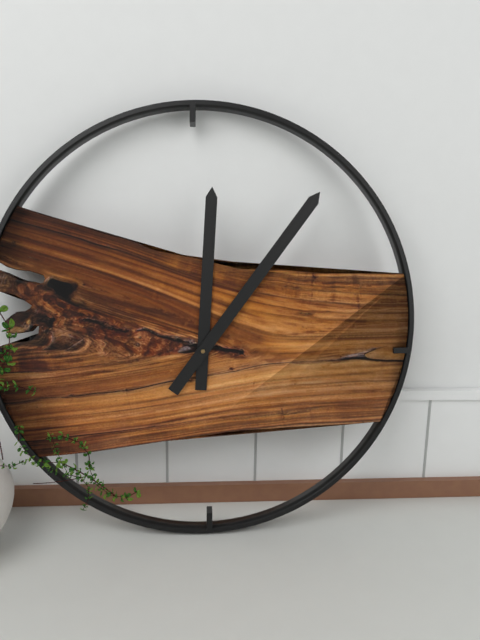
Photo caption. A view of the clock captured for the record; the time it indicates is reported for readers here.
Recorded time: 12:06
